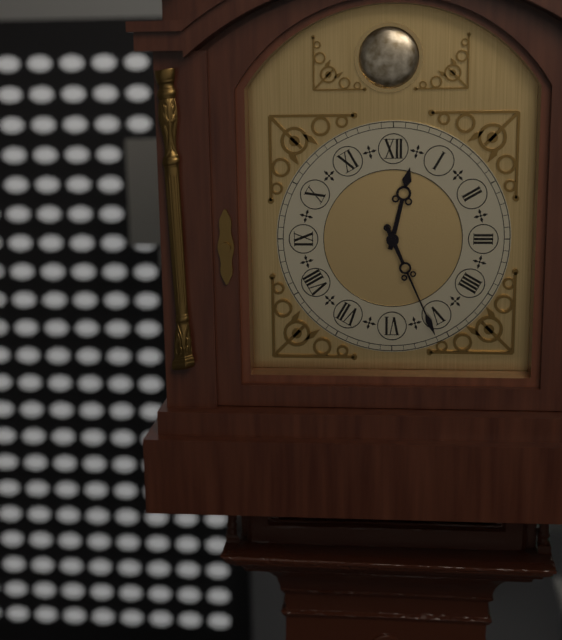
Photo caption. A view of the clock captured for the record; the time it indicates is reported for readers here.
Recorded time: 12:26
